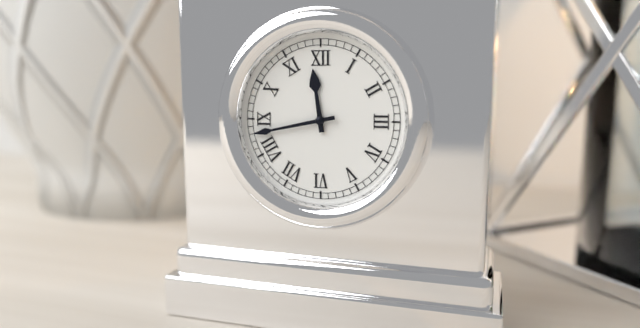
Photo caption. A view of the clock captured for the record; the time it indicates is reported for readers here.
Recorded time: 11:43
